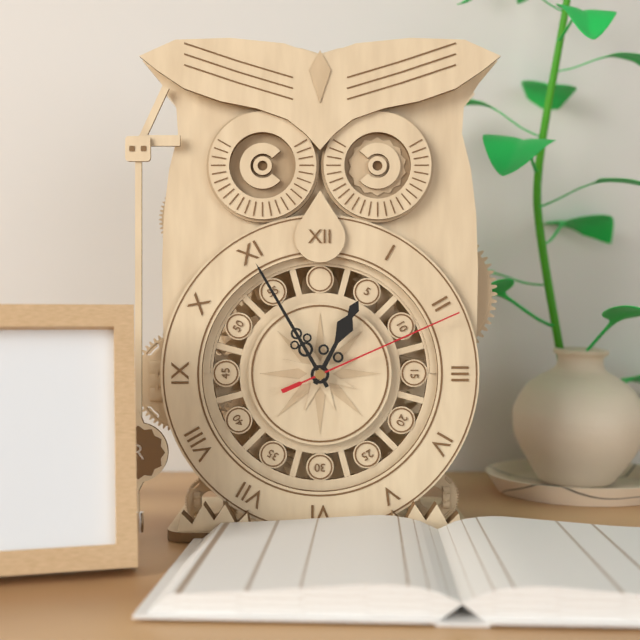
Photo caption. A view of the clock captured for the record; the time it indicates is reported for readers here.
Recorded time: 12:55:11
